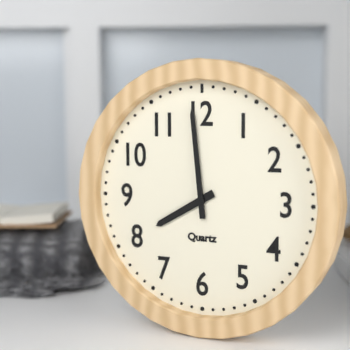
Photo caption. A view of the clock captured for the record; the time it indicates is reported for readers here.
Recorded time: 7:59
